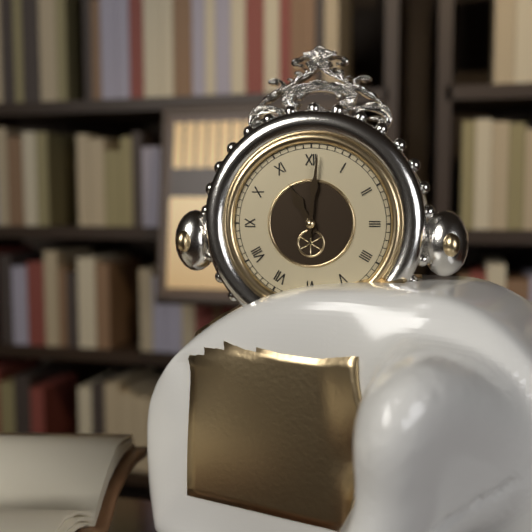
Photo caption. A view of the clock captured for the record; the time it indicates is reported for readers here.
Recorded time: 11:01
